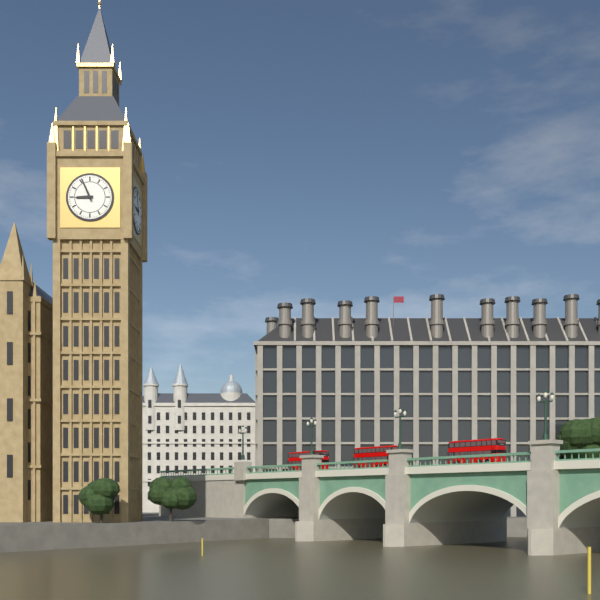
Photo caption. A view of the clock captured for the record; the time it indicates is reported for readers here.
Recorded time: 8:56
